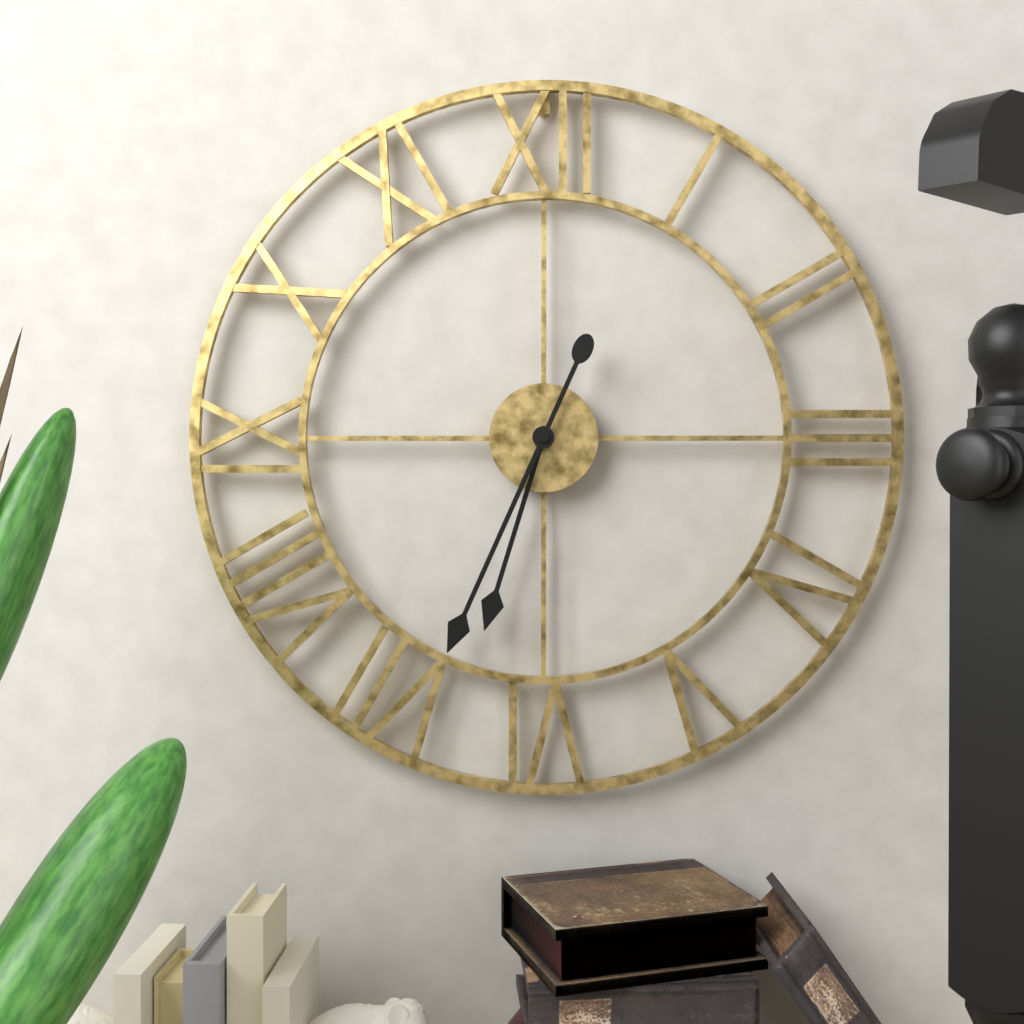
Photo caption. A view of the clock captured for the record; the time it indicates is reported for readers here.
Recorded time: 6:34
